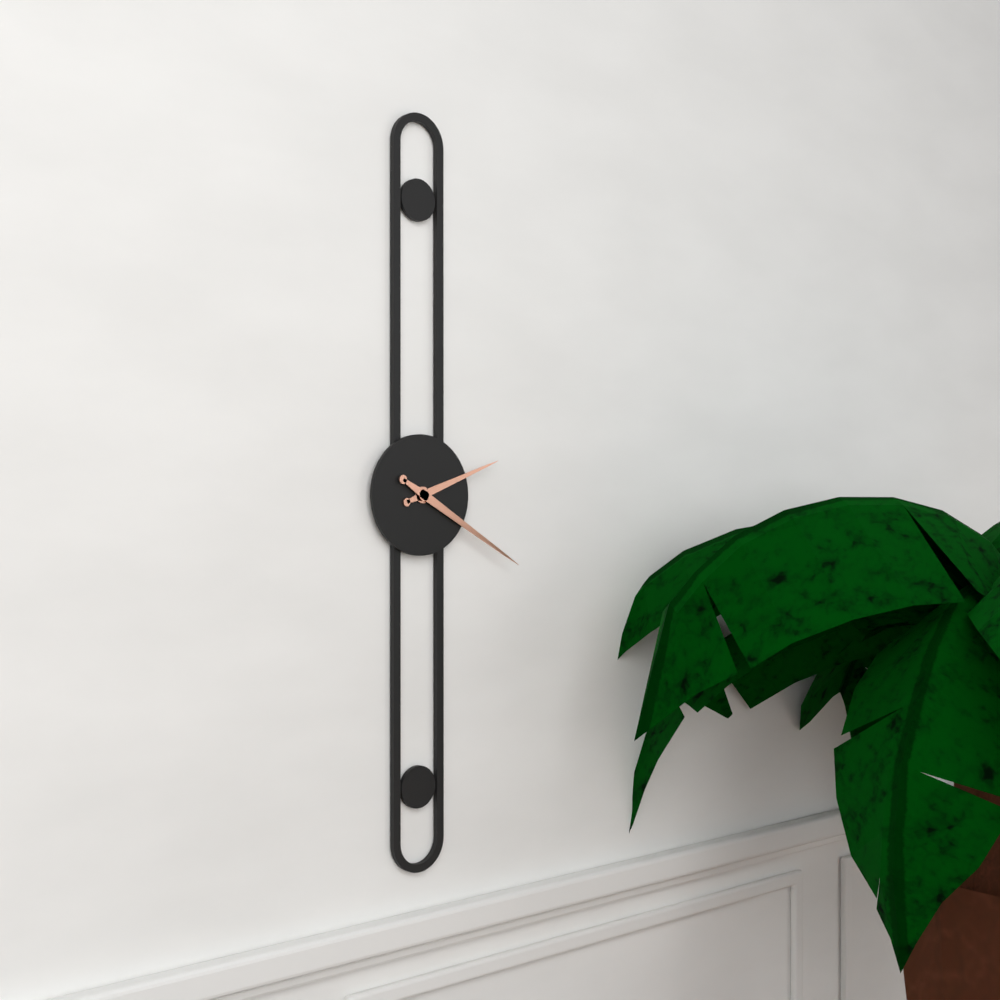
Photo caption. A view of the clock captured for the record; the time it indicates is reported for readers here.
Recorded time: 2:20
